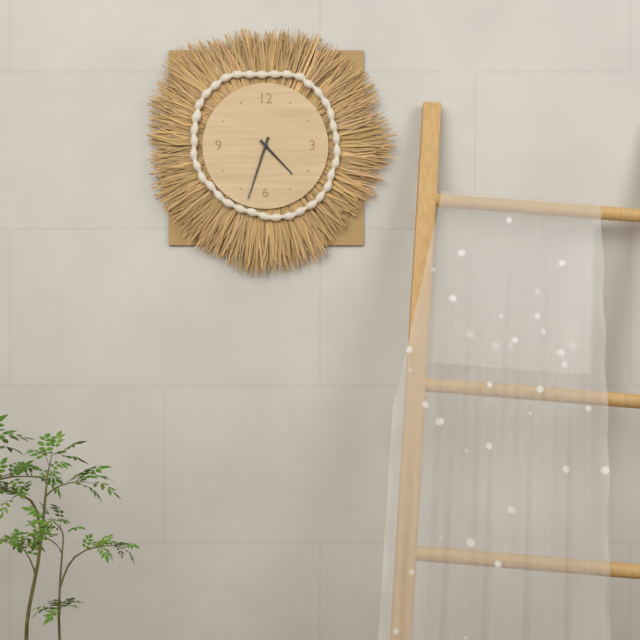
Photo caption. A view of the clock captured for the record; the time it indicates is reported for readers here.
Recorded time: 4:33
